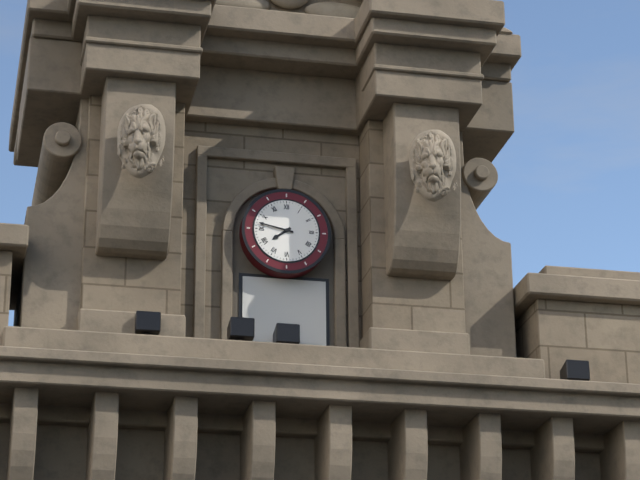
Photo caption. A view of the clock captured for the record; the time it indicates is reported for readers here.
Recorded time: 7:47
